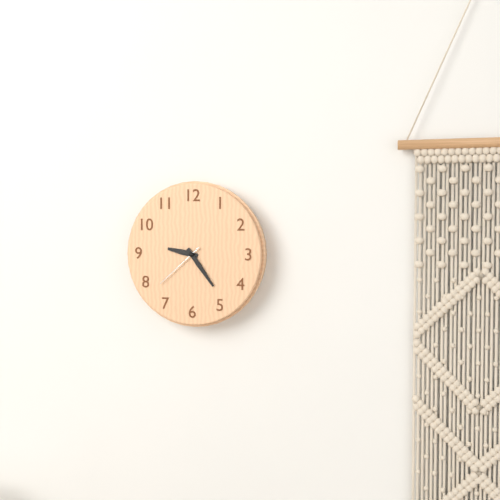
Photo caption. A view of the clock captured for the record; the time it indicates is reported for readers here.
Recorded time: 9:24:38
